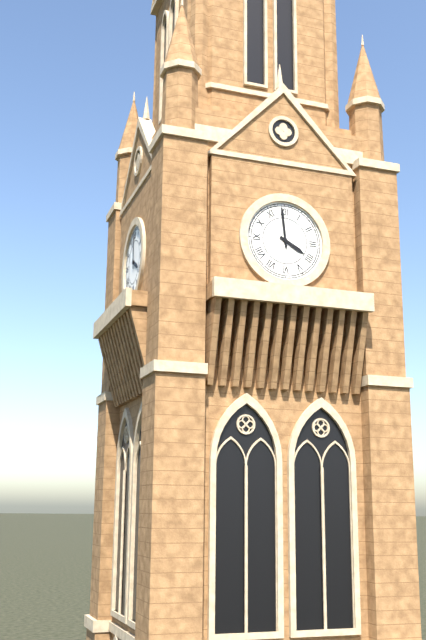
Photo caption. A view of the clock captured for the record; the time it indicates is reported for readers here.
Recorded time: 3:59
